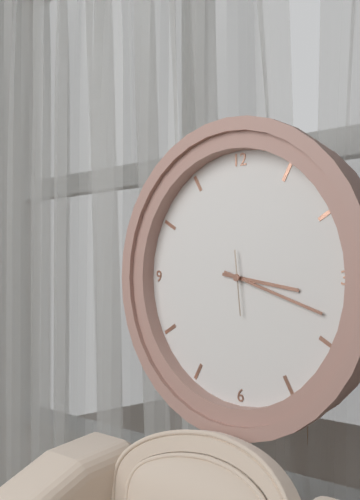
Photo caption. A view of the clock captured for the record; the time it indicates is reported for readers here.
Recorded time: 3:18
